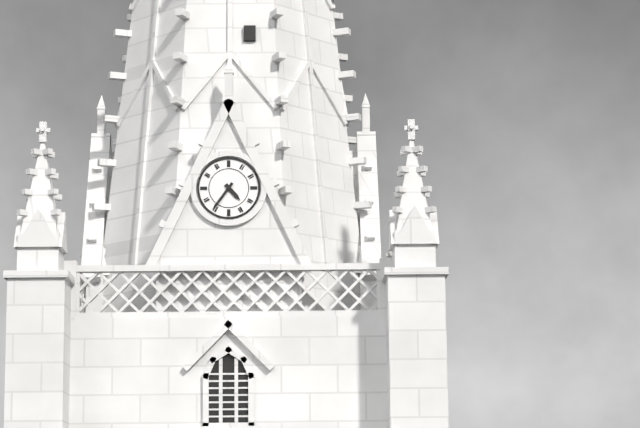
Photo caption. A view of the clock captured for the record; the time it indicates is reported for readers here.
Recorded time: 4:36
